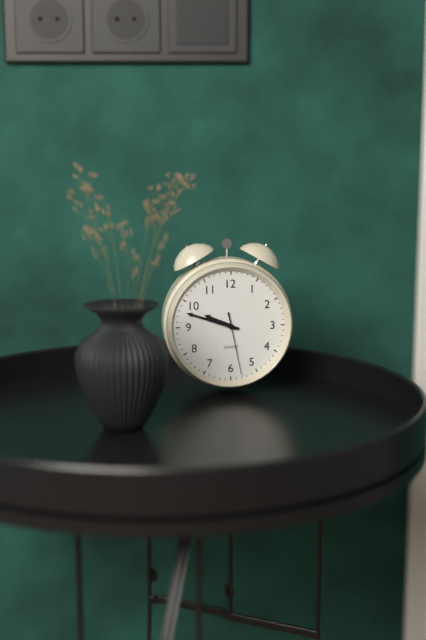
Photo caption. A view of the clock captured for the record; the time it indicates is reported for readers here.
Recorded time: 9:48:28
